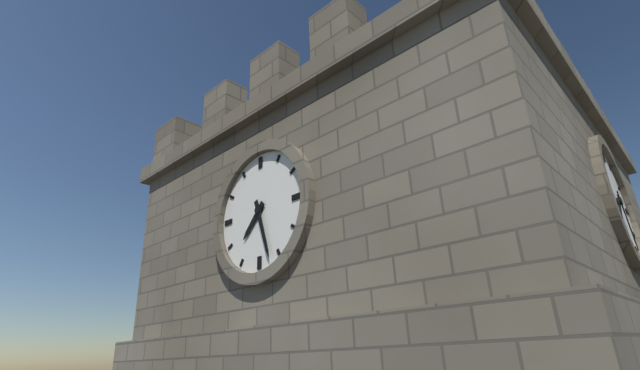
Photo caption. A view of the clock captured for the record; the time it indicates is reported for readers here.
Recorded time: 7:27
